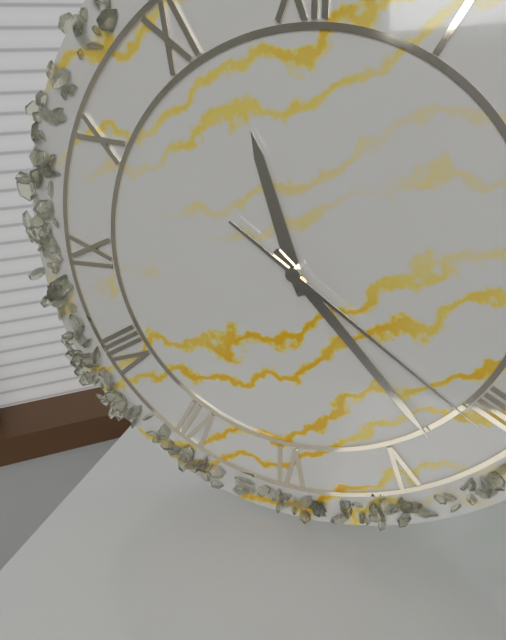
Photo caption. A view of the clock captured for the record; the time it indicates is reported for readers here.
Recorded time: 11:23:21
